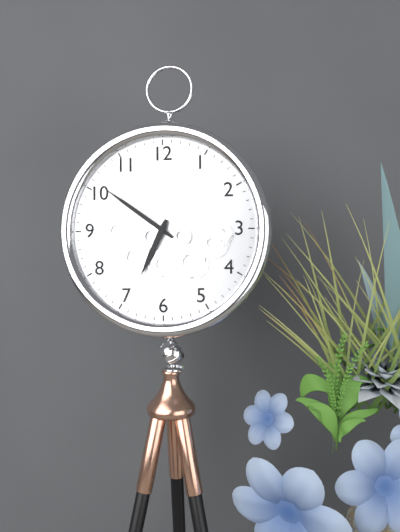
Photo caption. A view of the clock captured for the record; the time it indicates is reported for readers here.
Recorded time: 6:51
